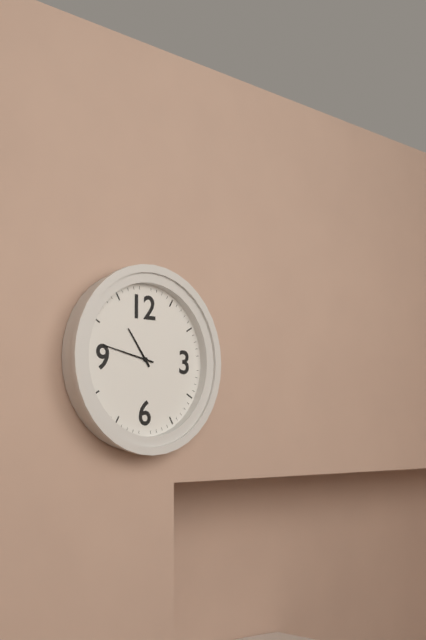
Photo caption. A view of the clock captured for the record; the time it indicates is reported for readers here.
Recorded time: 10:47
